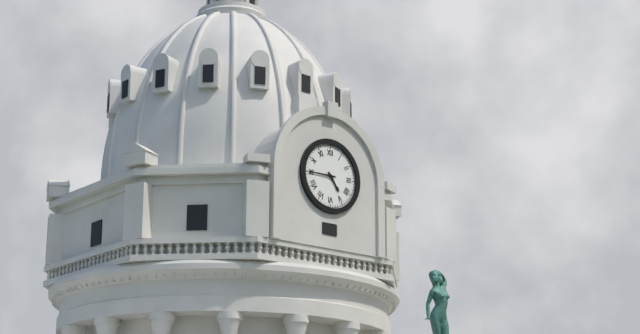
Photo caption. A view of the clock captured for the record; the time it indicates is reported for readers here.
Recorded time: 4:45
